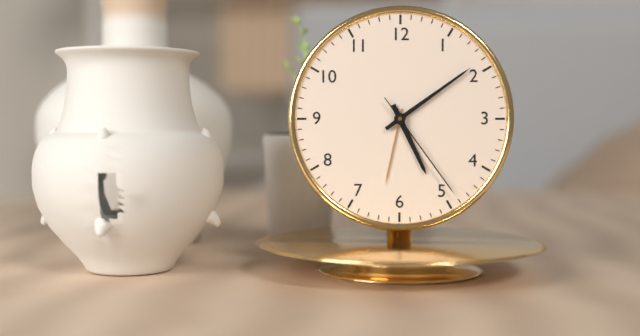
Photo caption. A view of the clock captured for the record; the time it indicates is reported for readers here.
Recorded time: 5:09:24
